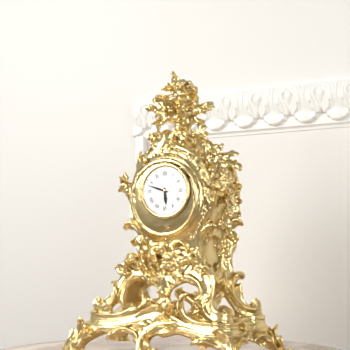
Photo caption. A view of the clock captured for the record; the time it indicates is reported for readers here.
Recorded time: 5:48
